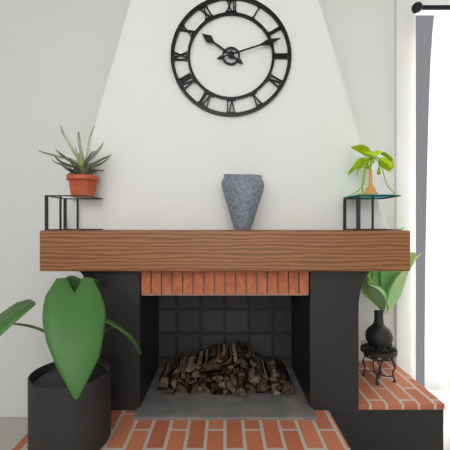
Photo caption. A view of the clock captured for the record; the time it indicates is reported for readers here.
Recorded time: 10:12
